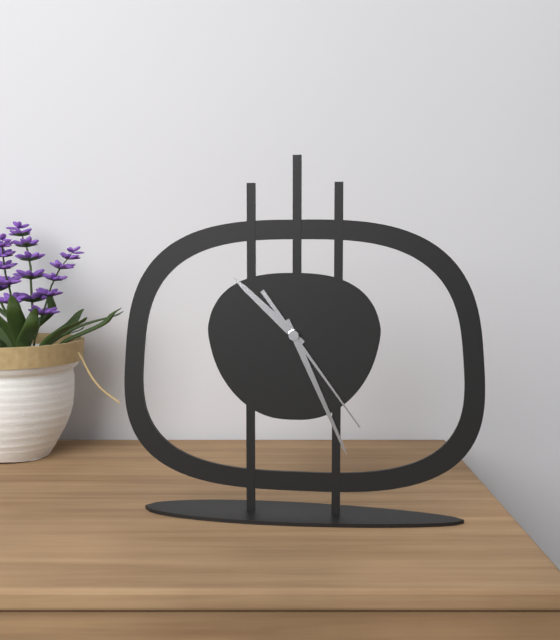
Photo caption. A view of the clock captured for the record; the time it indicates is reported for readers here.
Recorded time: 10:26:24
